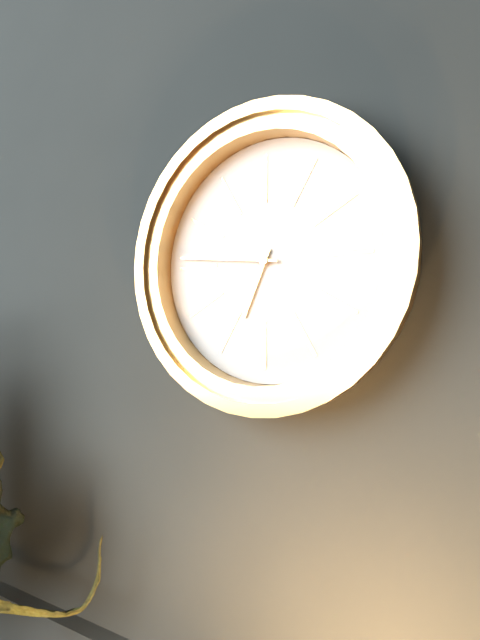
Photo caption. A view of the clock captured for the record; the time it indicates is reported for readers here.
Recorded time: 6:46
